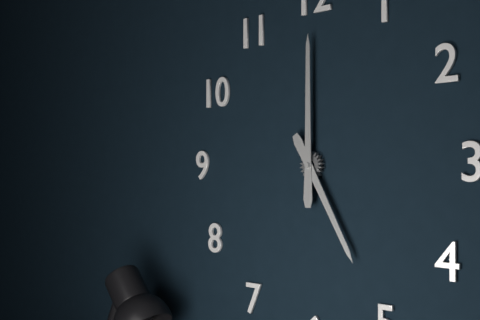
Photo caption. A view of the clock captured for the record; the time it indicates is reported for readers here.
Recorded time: 5:00
